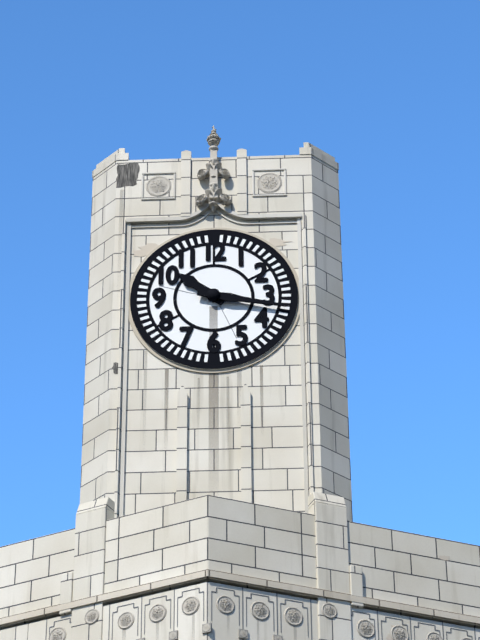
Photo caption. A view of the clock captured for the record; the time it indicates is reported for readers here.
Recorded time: 10:17
